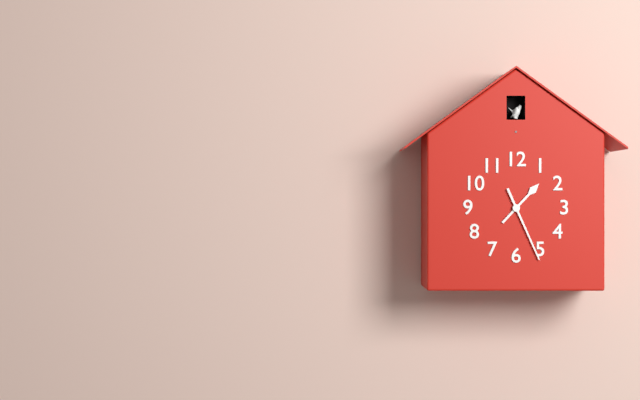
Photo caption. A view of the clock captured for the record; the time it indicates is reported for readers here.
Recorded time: 1:26
